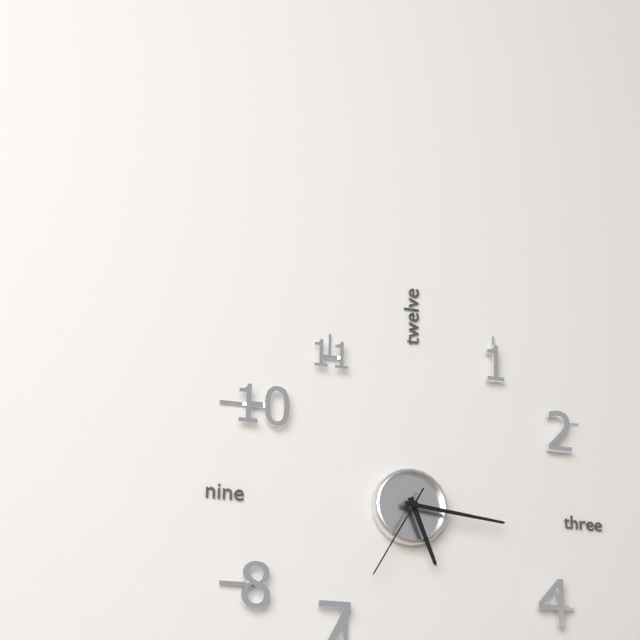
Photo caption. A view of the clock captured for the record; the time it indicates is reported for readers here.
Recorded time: 5:16:35
